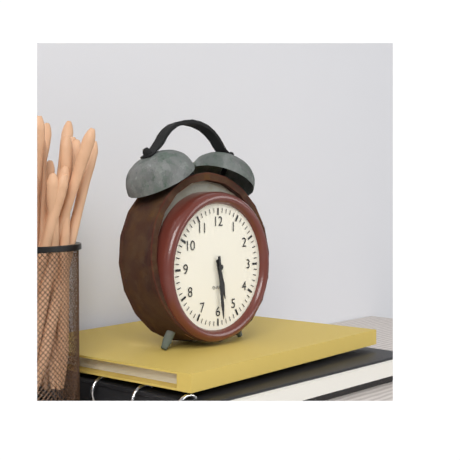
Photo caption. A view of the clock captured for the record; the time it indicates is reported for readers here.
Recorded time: 5:29
